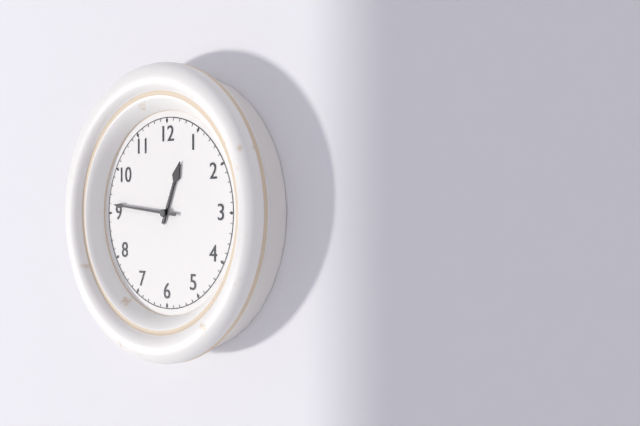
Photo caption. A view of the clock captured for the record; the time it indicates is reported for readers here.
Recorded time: 12:46
